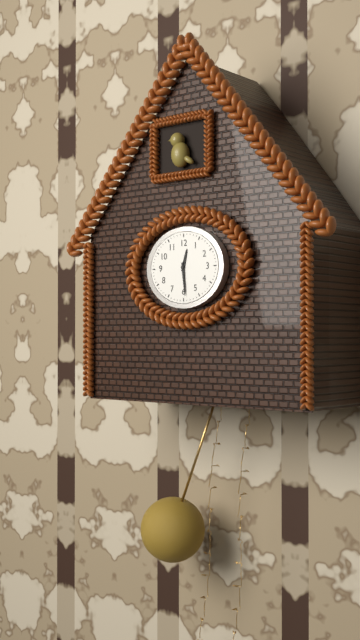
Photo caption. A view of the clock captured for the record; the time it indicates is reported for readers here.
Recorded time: 12:29
